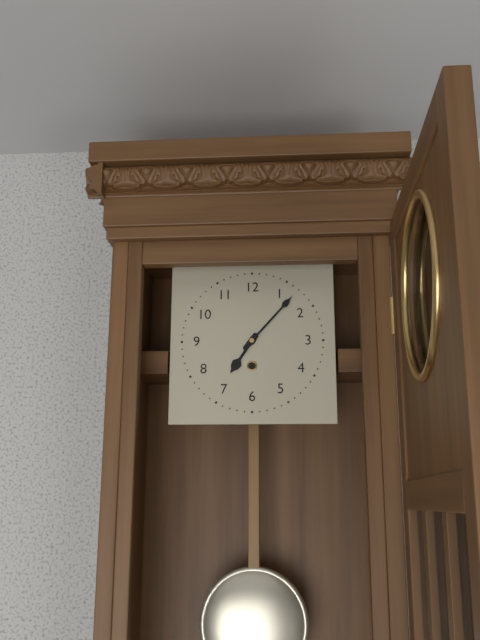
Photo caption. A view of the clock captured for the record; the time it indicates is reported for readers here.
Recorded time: 7:07
